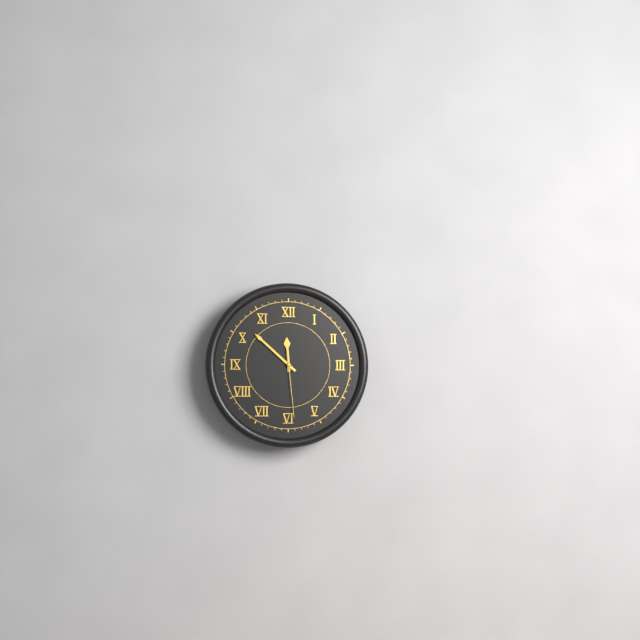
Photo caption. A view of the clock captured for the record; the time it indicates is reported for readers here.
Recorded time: 11:52:29
